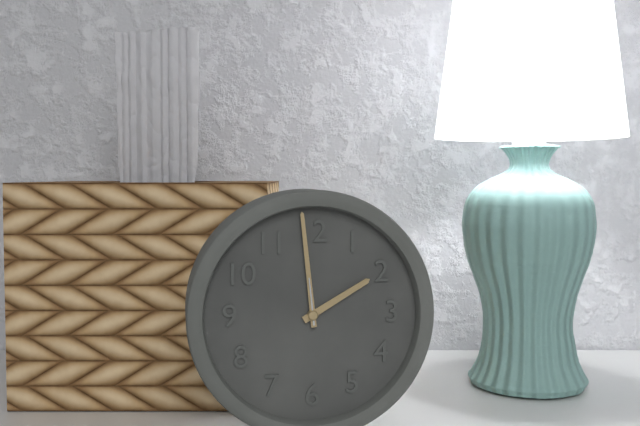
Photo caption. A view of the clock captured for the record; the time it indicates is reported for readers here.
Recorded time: 1:59
